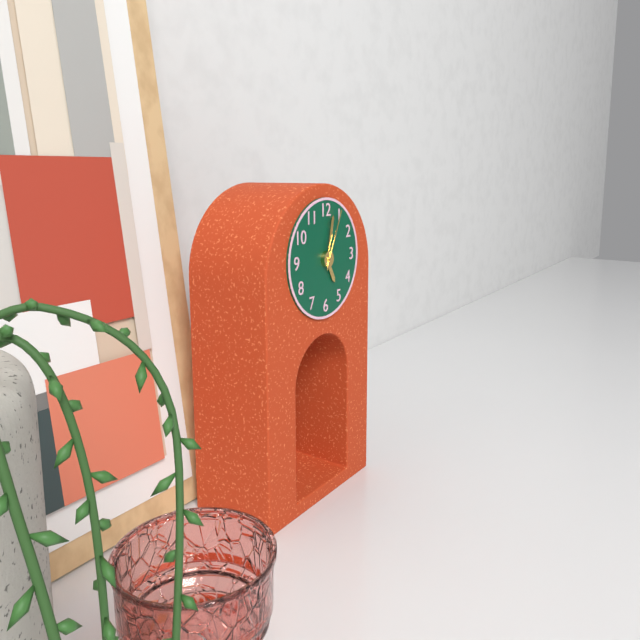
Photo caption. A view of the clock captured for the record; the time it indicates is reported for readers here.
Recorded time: 5:02:04
